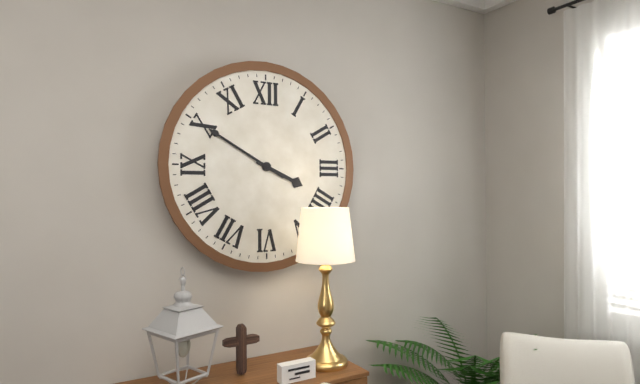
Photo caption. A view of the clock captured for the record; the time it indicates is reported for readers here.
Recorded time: 3:50
